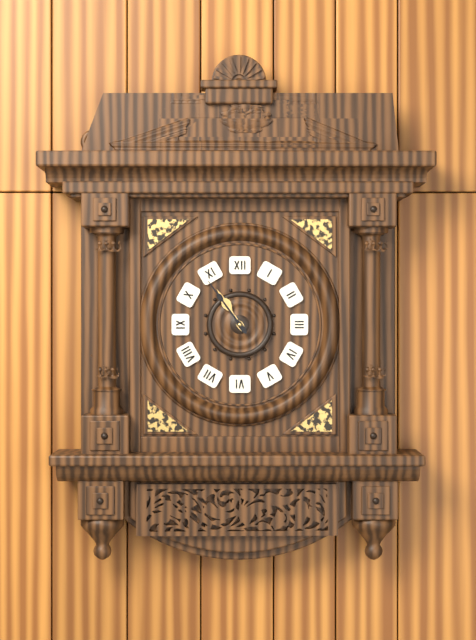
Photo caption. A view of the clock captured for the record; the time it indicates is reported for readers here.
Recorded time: 10:54
